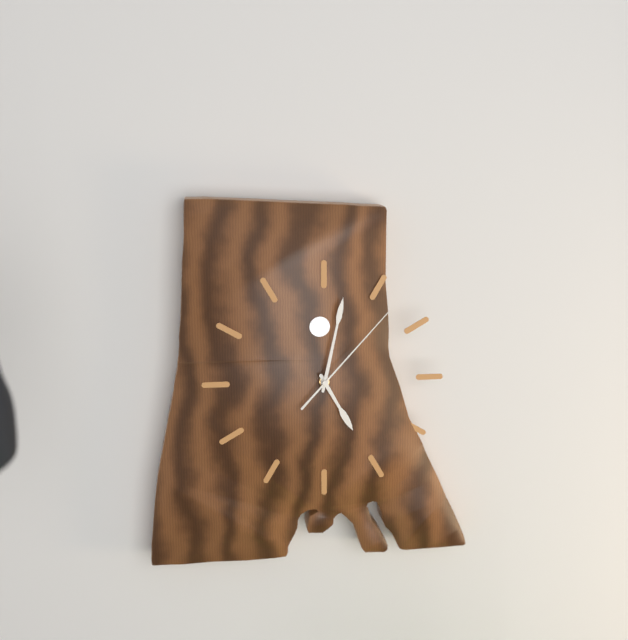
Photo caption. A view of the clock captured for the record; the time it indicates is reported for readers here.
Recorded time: 5:02:07
